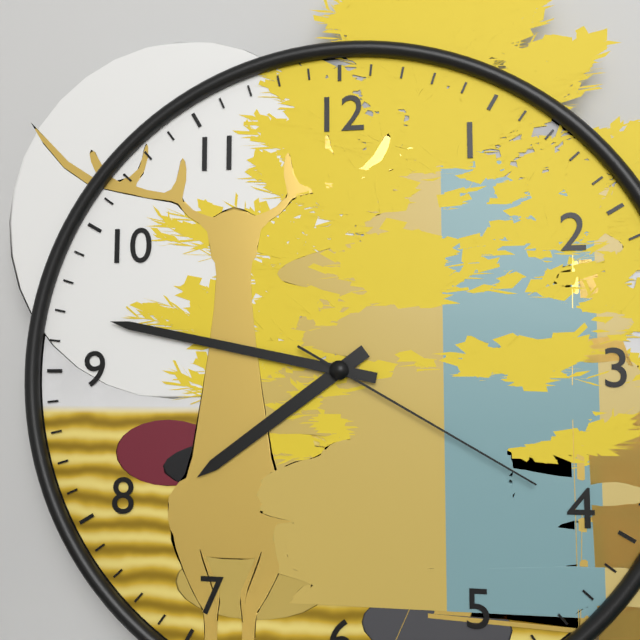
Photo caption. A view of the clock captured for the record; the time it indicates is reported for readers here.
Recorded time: 7:47:20
